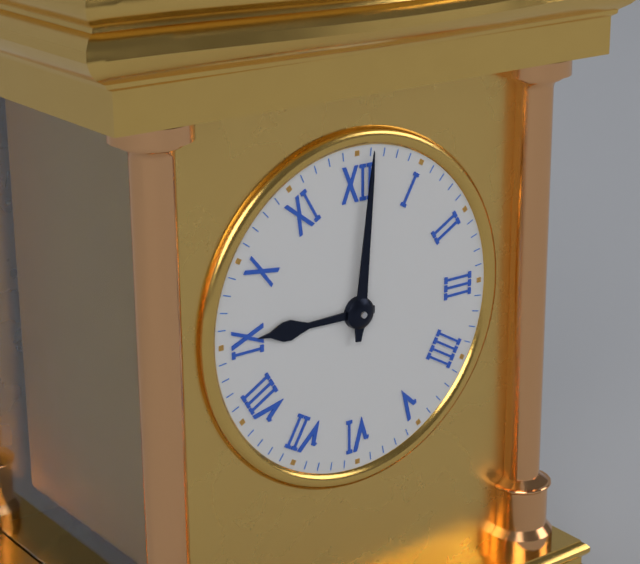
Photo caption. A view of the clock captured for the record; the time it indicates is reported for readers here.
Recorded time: 9:01
